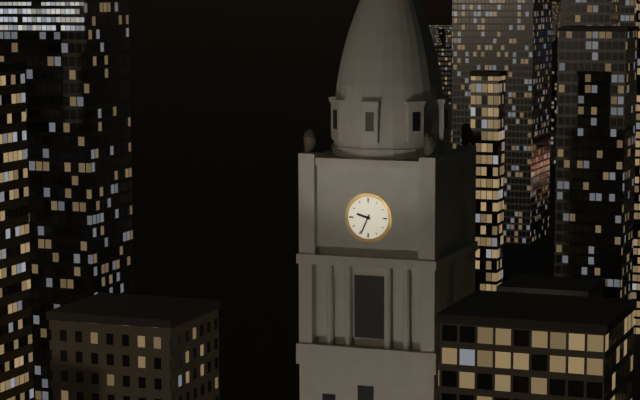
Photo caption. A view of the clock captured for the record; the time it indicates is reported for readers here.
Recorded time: 9:34
